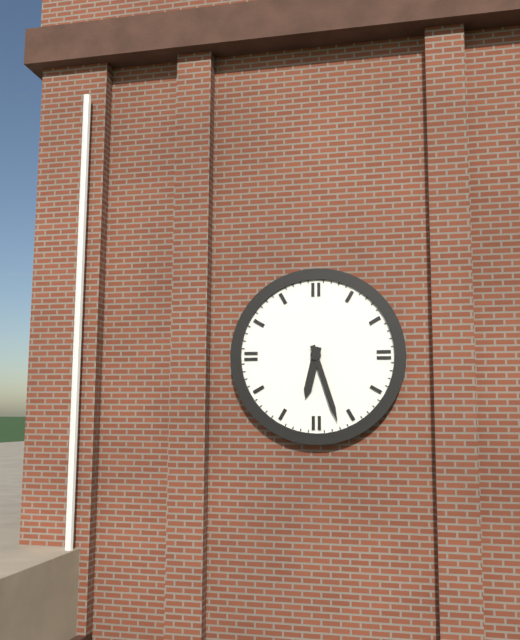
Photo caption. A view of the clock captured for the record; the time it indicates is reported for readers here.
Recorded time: 6:27
